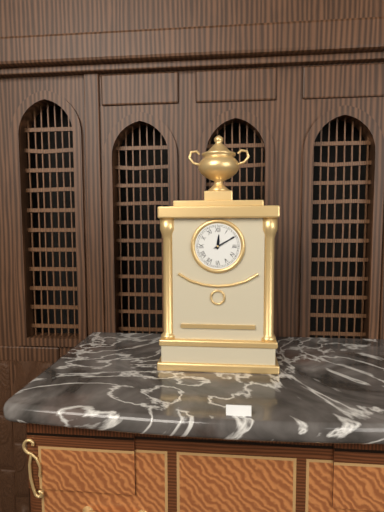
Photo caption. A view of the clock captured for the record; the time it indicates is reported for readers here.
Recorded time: 12:10
